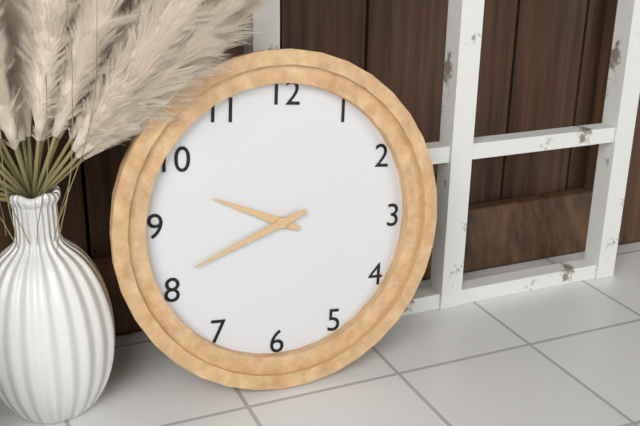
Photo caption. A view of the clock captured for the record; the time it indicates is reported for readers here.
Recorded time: 9:41
